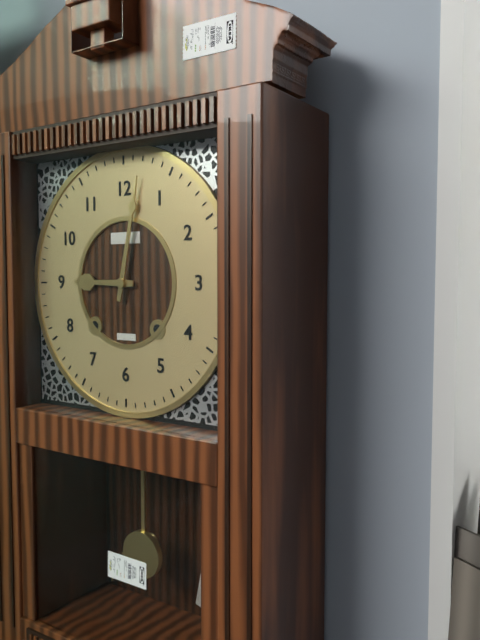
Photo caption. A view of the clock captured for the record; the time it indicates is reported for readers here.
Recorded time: 9:02
